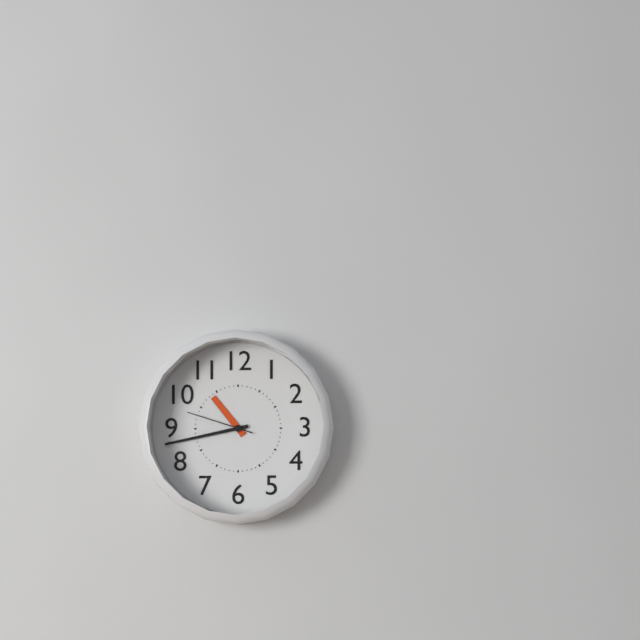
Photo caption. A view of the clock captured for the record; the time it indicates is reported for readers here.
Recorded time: 10:43:48
